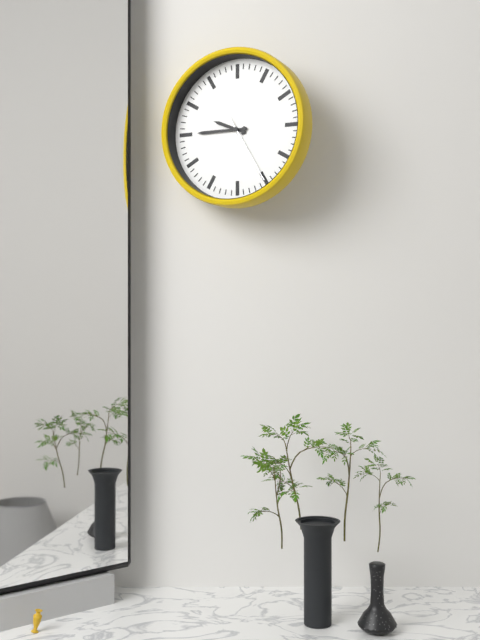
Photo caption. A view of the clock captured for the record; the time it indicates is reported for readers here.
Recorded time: 9:45:25
